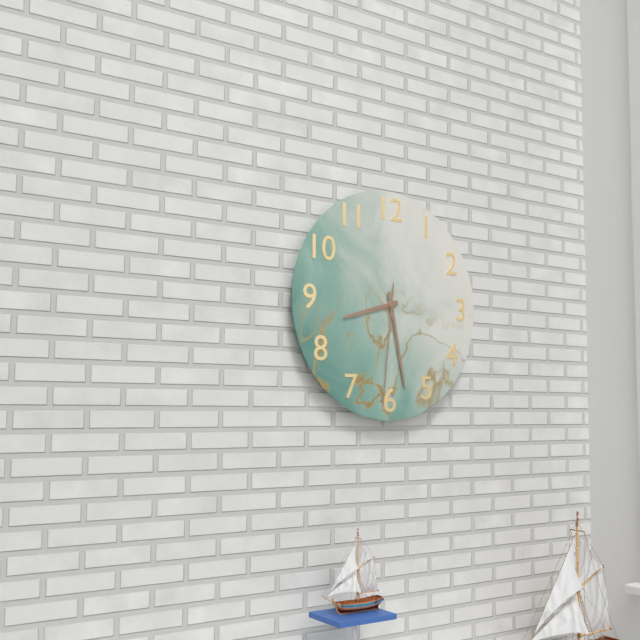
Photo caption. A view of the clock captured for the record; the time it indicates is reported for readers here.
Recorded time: 8:28:31
